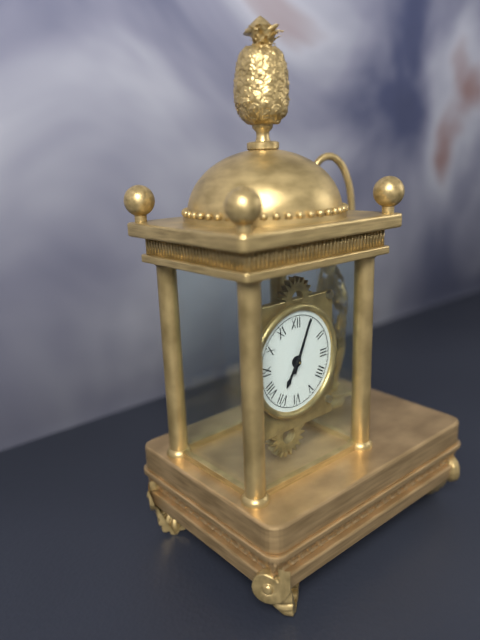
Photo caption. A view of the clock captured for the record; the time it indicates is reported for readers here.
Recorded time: 7:04
